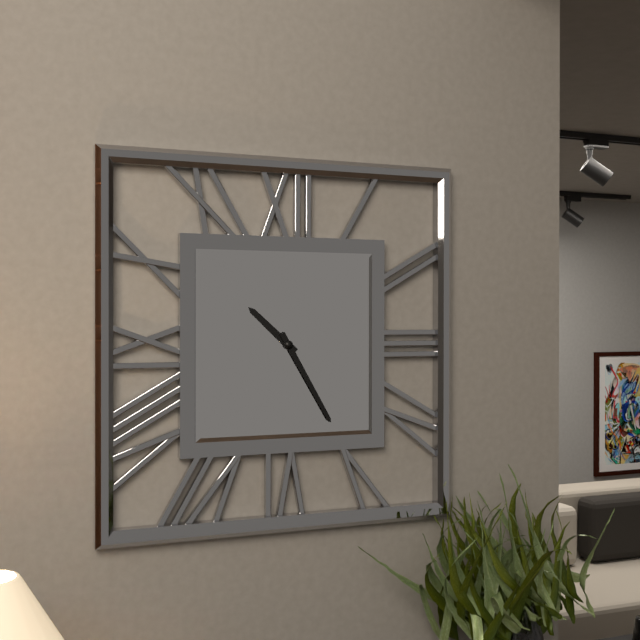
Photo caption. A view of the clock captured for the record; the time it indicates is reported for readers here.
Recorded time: 10:25
